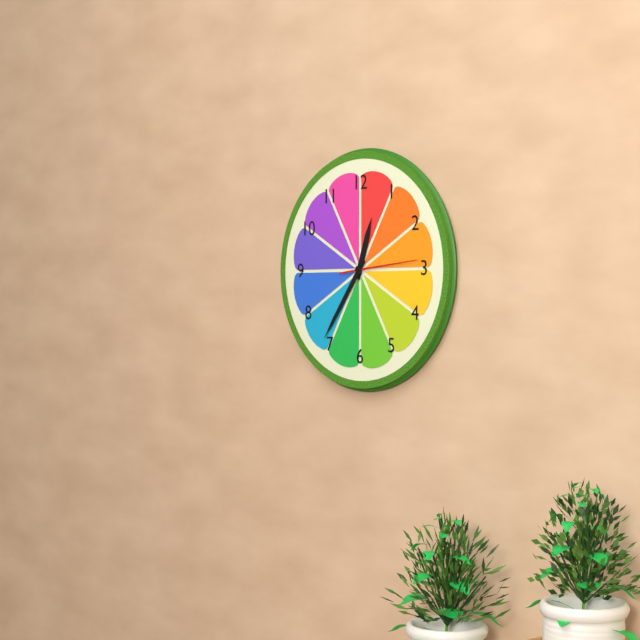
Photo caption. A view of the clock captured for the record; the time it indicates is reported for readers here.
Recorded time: 12:36:14
